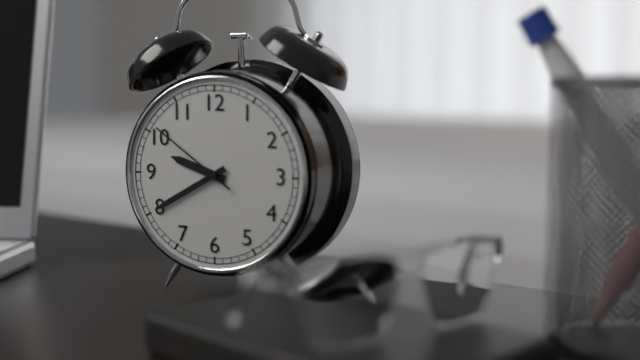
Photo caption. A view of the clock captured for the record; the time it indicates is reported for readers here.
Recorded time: 9:40:51
